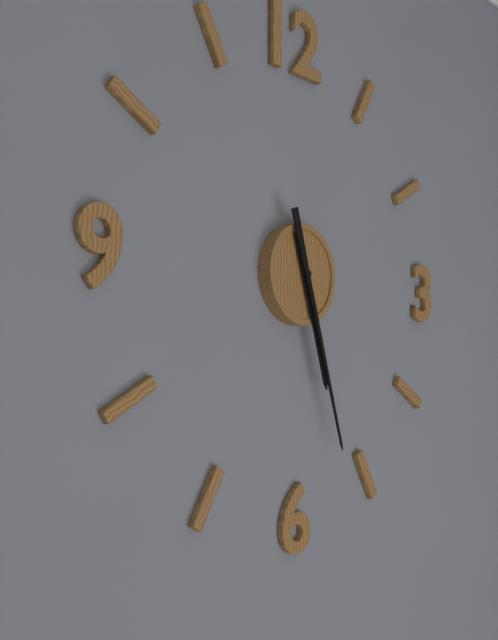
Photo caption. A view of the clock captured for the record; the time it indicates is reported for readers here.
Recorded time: 5:27
